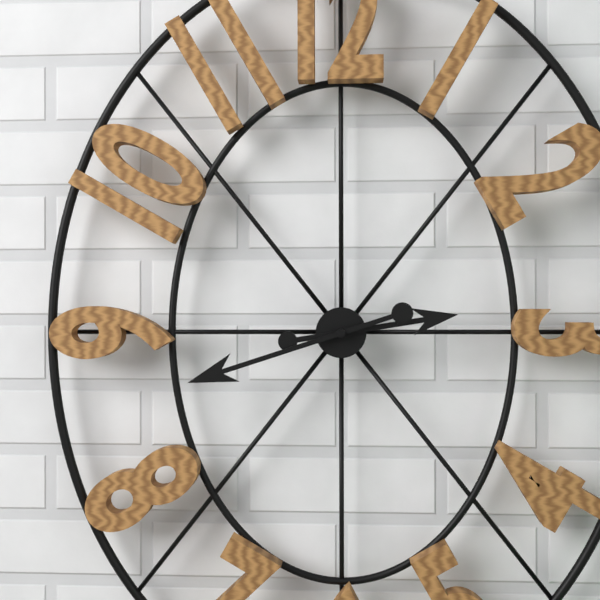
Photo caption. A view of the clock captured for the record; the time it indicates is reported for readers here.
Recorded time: 2:42
